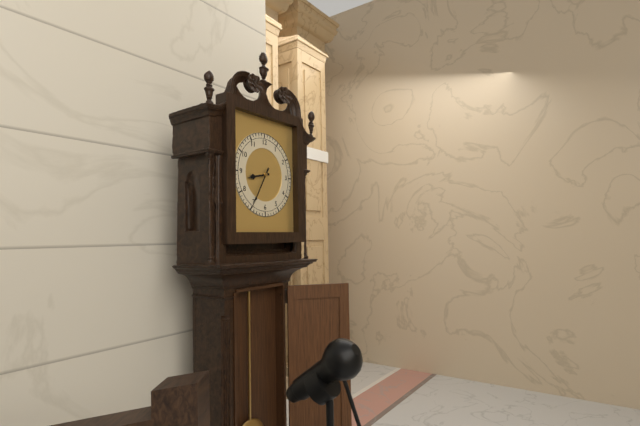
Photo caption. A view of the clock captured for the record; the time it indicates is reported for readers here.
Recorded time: 8:35
